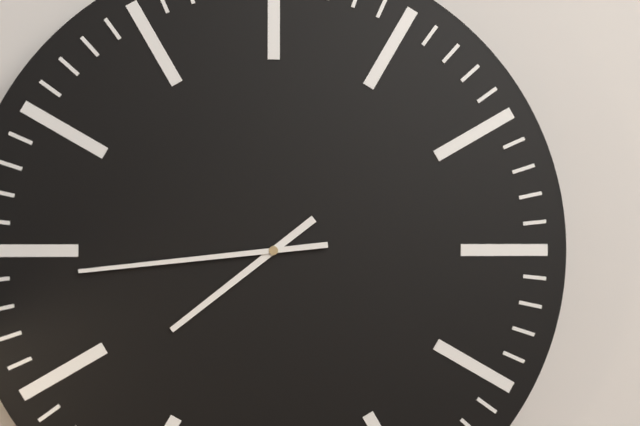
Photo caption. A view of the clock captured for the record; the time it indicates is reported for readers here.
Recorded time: 7:44
